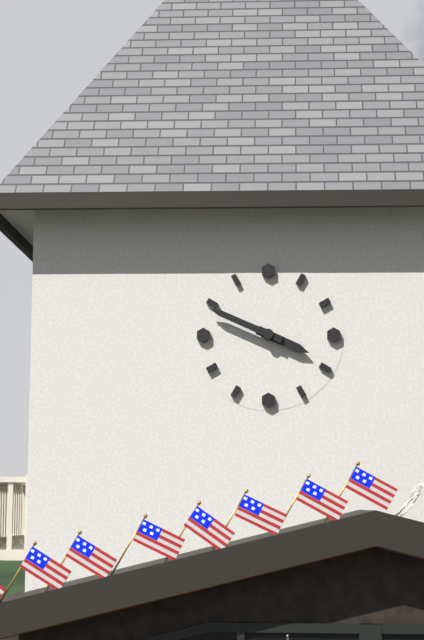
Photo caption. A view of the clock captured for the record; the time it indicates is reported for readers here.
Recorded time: 3:49
